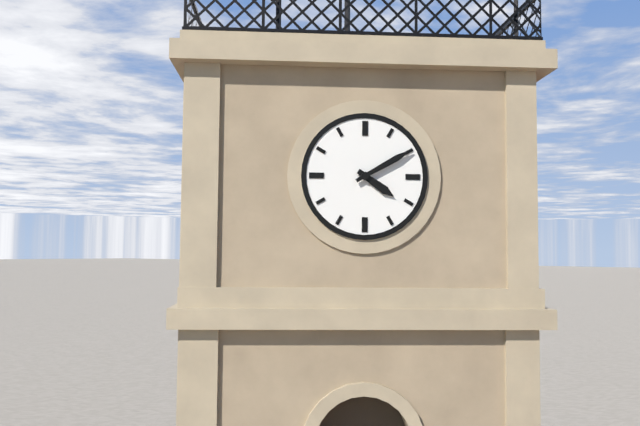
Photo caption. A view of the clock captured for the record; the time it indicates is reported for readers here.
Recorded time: 4:10
